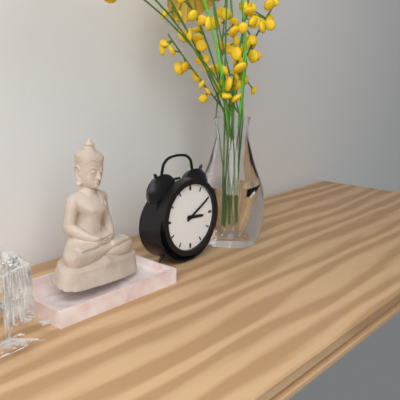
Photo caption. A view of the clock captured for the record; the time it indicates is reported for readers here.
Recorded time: 3:10
